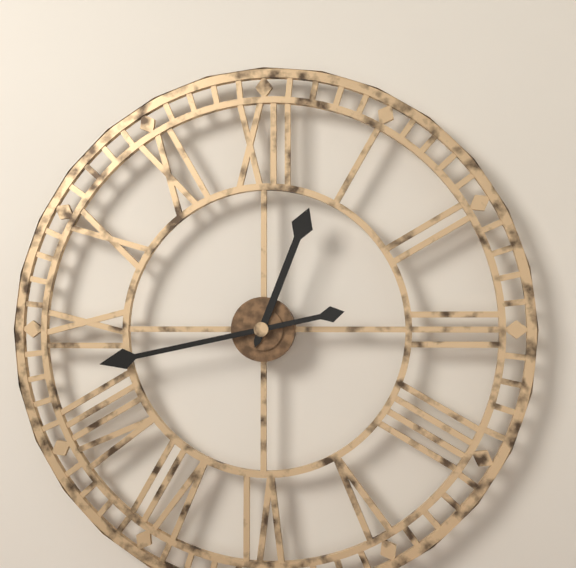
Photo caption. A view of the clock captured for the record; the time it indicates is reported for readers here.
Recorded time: 12:43
